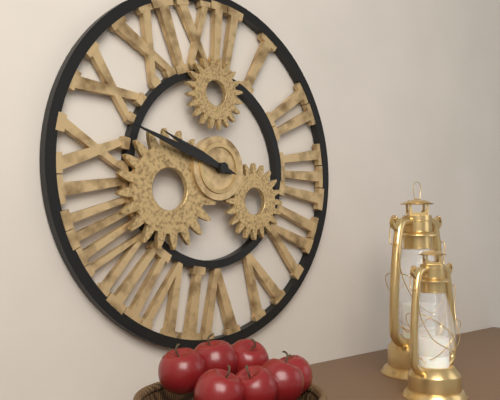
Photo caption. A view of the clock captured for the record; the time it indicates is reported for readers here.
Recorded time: 9:48
